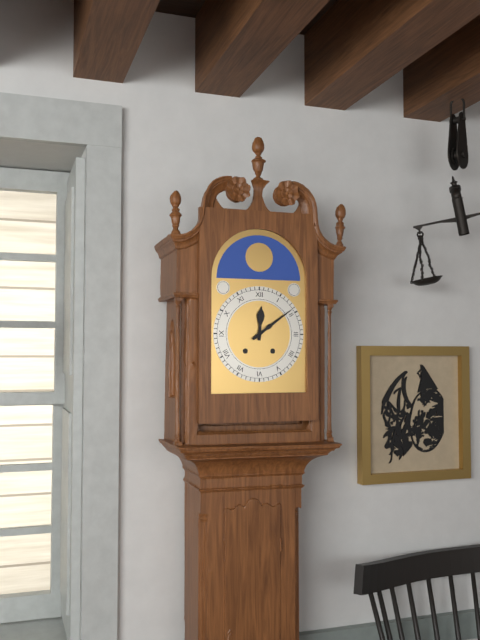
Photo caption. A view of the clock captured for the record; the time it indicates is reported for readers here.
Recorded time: 12:09
